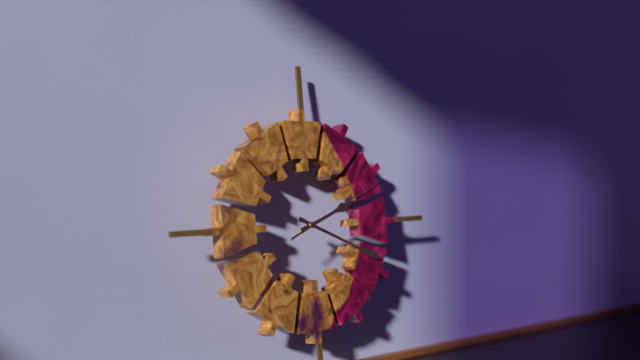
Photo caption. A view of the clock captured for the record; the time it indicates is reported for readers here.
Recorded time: 2:19:11
